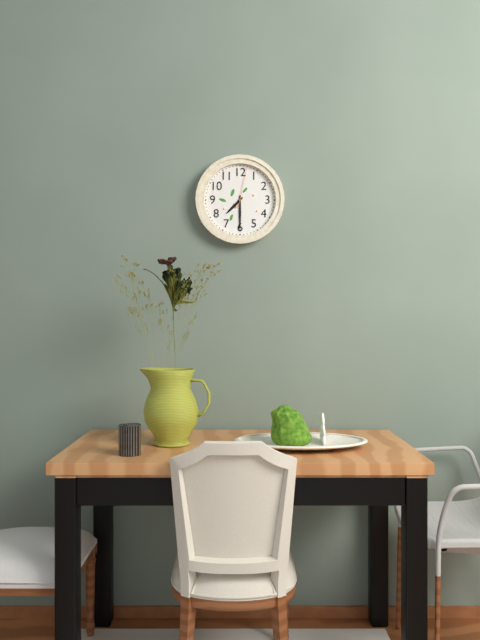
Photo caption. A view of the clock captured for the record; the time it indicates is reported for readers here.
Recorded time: 7:30
